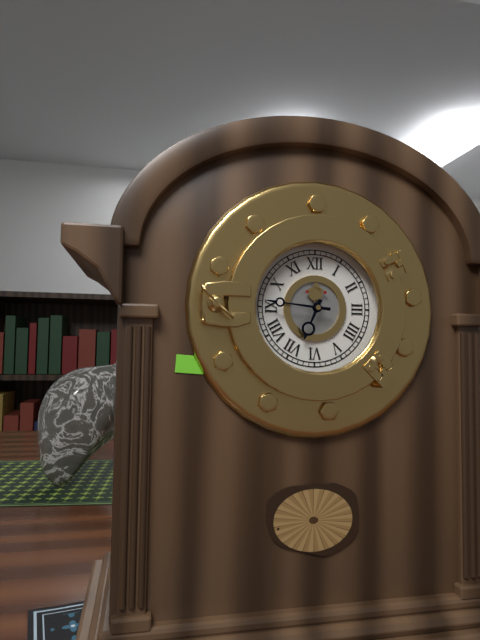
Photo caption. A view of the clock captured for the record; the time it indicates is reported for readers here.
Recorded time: 6:46
